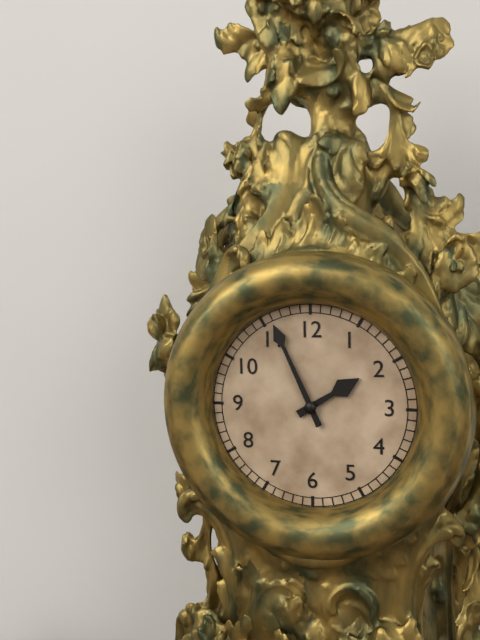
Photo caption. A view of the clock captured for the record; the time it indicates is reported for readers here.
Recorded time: 1:56
